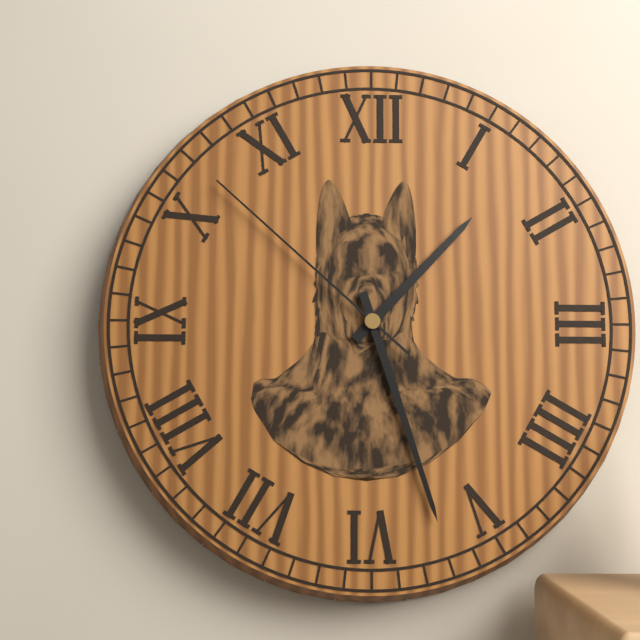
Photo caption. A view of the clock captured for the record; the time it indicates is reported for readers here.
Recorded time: 1:27:52
